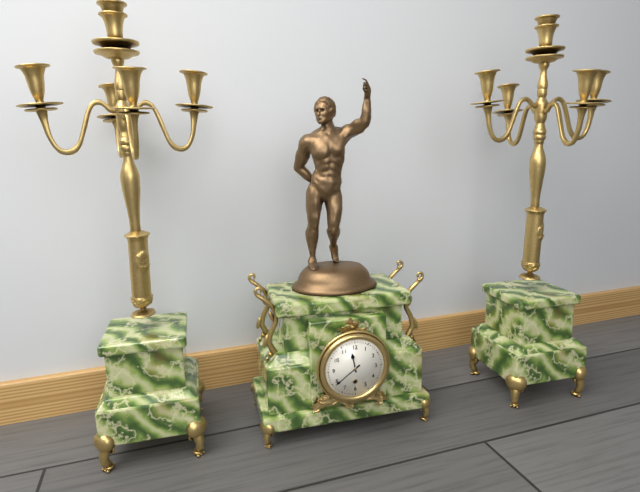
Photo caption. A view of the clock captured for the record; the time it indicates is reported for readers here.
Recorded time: 11:39
